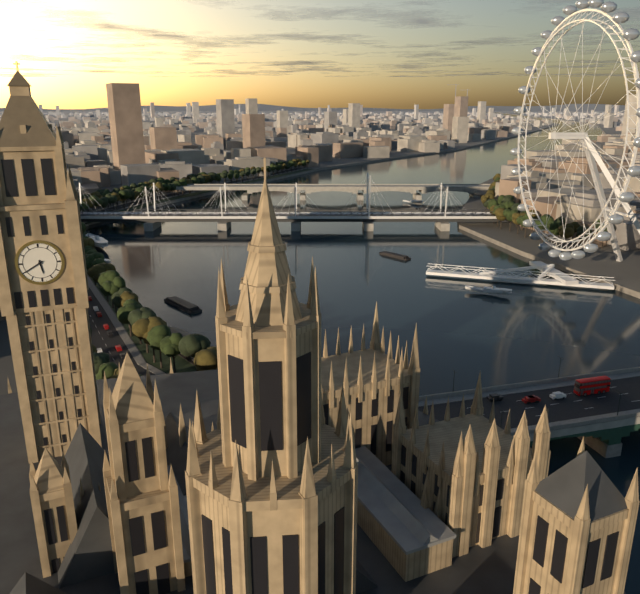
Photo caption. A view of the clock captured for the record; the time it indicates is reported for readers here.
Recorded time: 5:40
